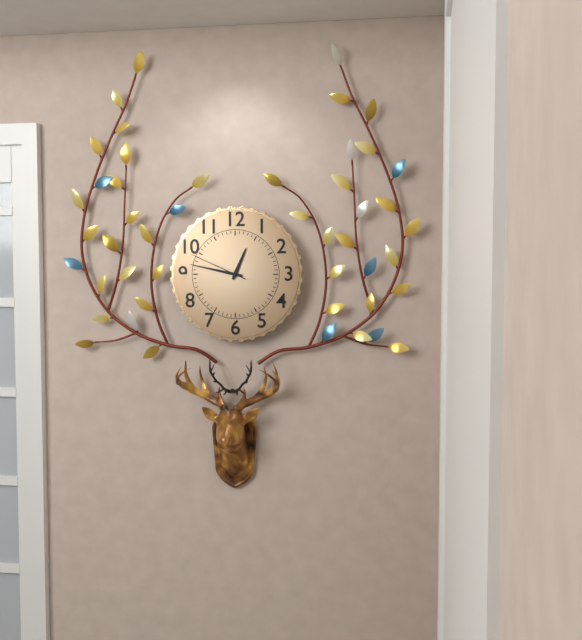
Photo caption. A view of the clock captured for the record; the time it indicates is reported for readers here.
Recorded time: 12:47:49
